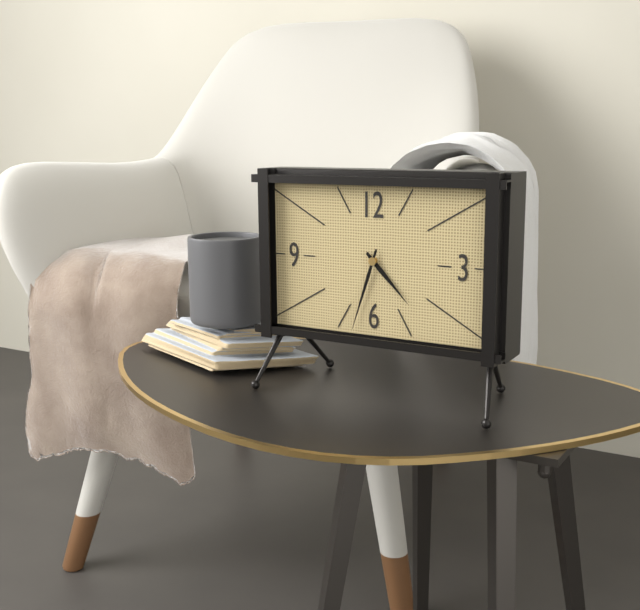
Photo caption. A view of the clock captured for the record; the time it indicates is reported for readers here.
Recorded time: 4:33
